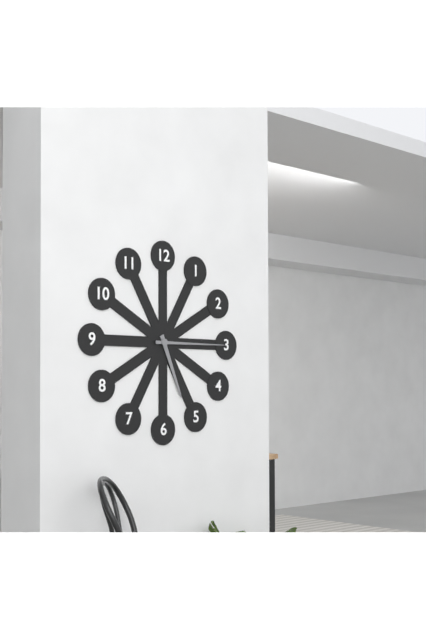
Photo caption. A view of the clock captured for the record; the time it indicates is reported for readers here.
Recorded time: 5:15
